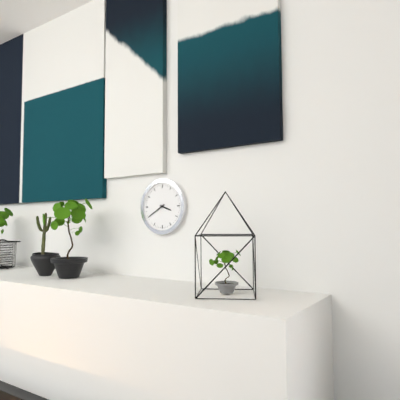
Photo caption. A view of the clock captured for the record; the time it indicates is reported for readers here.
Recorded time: 3:40
